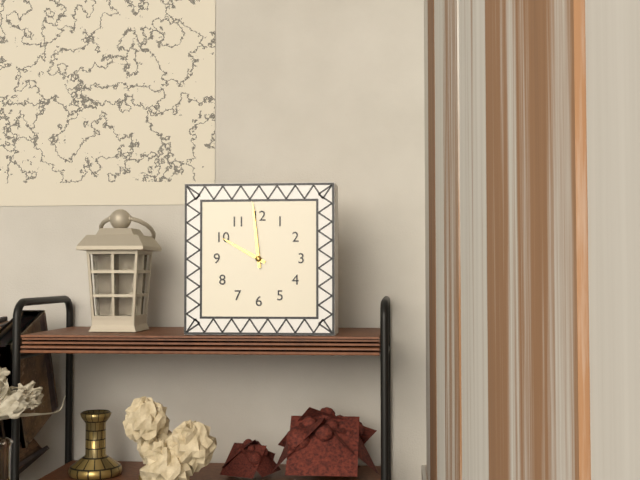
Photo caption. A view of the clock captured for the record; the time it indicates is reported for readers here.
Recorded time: 9:59
